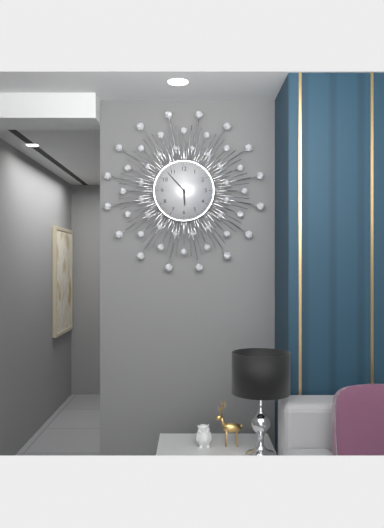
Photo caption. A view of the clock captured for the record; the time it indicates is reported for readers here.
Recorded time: 5:53
